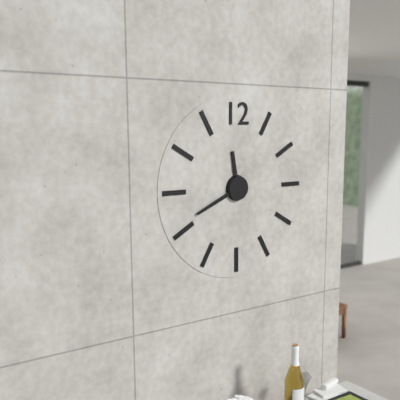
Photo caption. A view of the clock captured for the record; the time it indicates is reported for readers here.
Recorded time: 11:41
